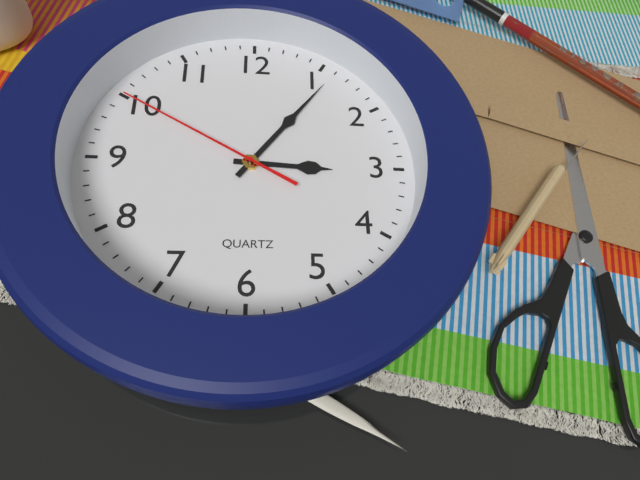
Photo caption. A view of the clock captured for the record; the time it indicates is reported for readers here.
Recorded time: 3:06:50
